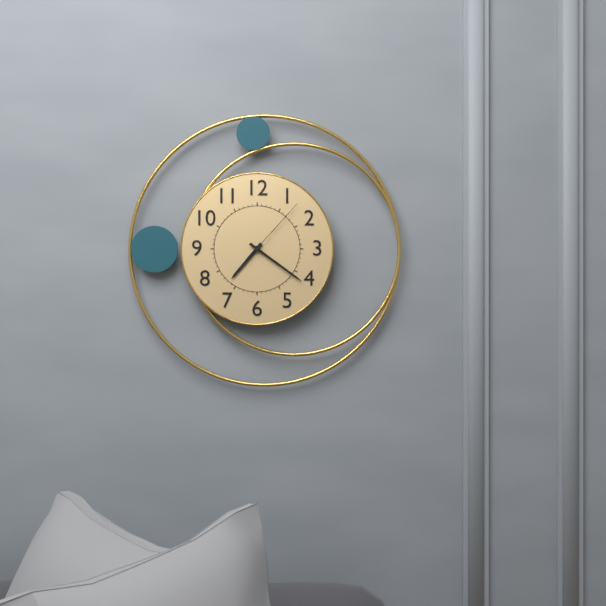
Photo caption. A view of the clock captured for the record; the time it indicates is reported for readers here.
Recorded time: 7:21:07
